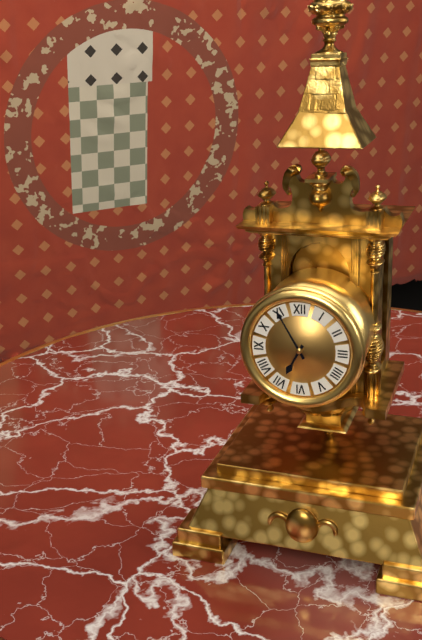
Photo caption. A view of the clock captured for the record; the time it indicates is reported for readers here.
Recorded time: 6:55
